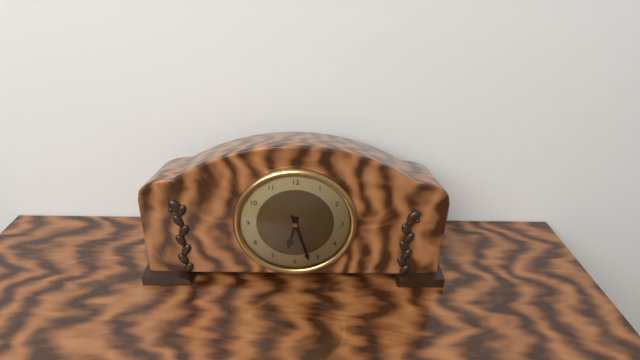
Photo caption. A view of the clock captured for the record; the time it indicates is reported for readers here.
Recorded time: 6:27
